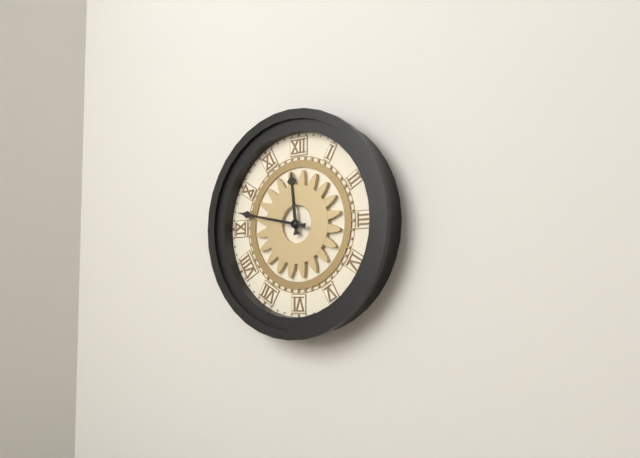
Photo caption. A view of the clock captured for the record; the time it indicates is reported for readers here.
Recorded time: 11:47
